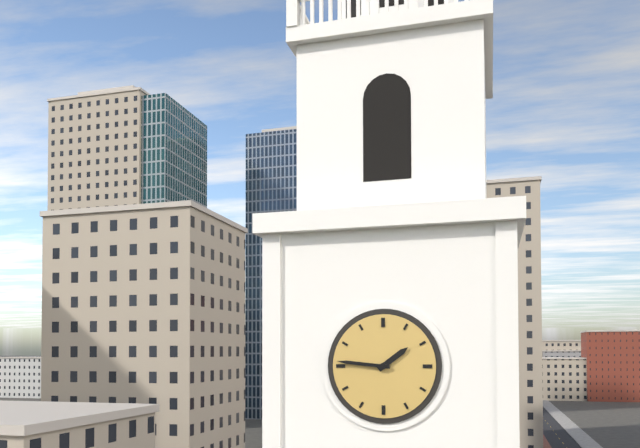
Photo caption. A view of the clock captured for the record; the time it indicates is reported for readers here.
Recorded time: 1:46
